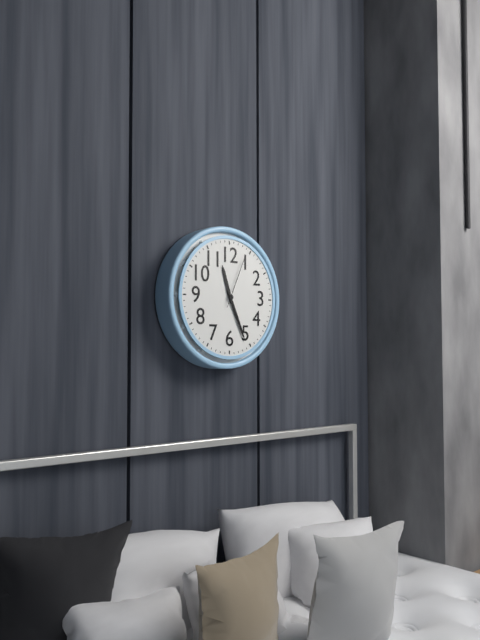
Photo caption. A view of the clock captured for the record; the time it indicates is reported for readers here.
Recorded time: 11:26:04
